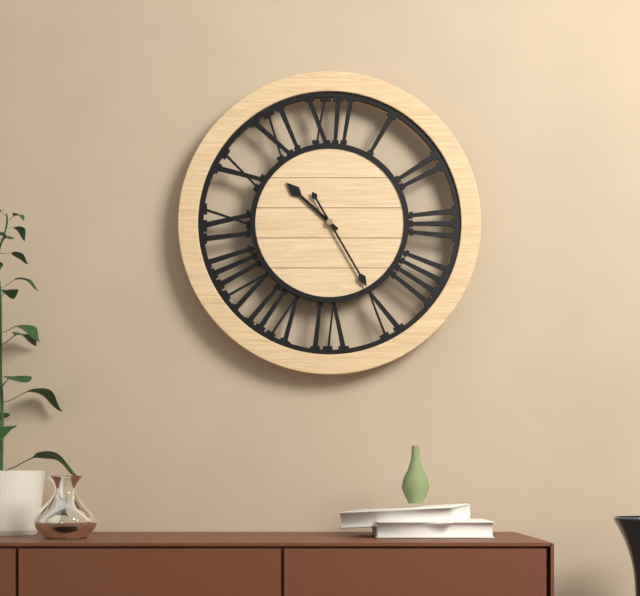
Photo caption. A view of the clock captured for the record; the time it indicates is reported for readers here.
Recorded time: 10:25
